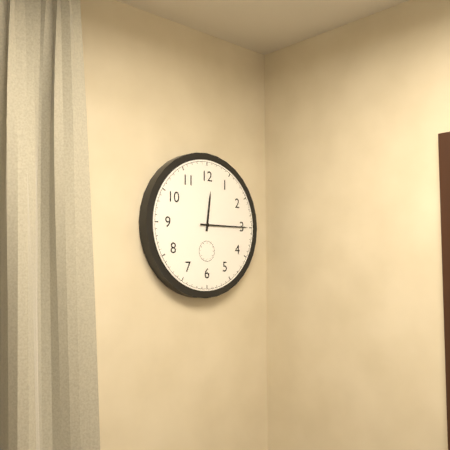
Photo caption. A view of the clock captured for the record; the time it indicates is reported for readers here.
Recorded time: 12:15
